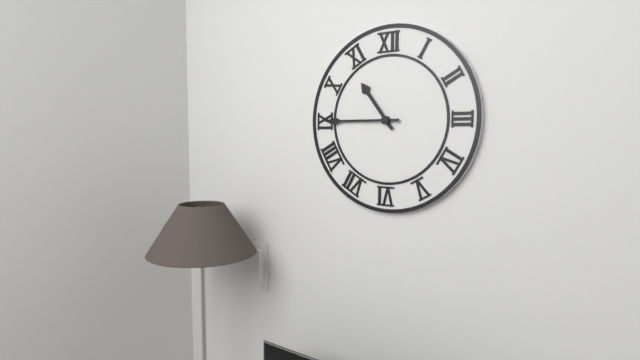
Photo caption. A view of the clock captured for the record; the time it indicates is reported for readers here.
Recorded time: 10:45
